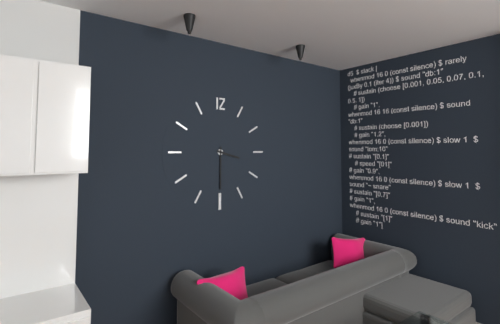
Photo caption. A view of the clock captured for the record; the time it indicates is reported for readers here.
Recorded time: 3:30
